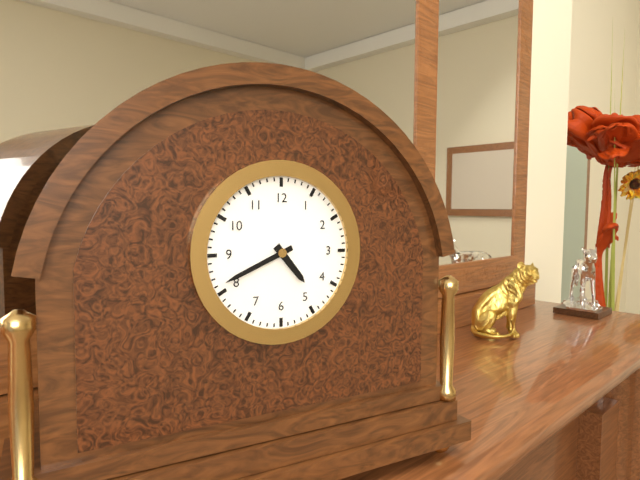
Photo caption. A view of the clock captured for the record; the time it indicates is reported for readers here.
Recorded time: 4:41
